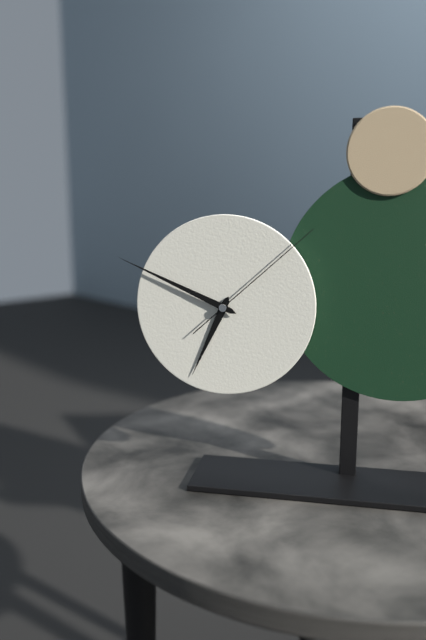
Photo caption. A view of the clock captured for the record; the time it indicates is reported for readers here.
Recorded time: 6:49:08
